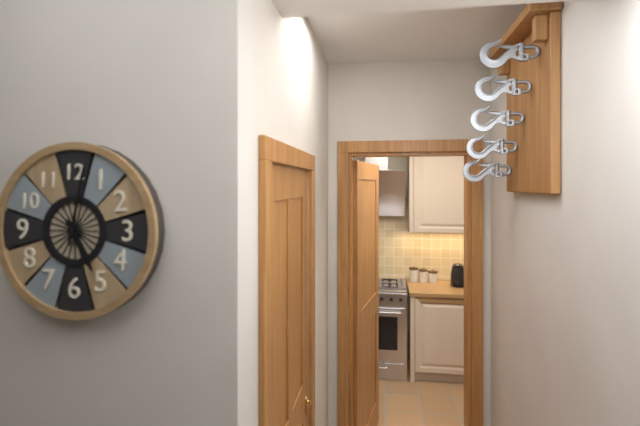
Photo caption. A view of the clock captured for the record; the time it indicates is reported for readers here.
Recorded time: 5:02
